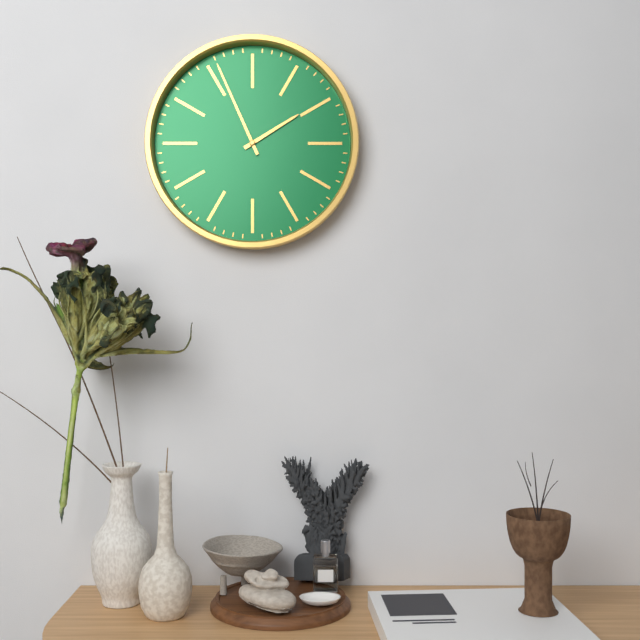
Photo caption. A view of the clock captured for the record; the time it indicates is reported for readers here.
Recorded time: 1:56
